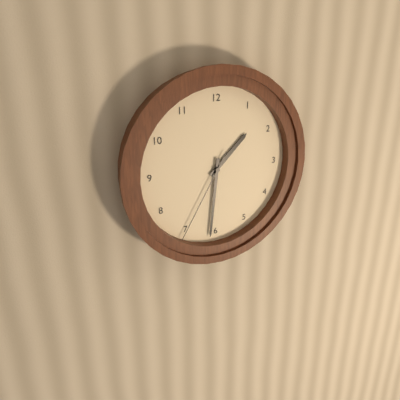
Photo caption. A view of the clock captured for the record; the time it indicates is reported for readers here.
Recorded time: 1:31:35
